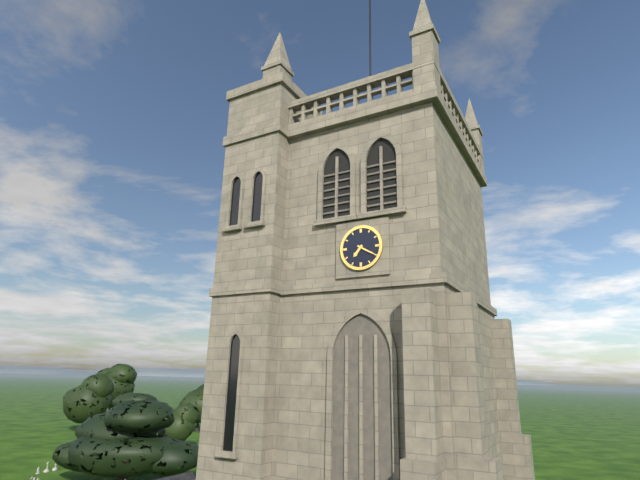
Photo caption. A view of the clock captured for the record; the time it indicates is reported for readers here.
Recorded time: 7:20
